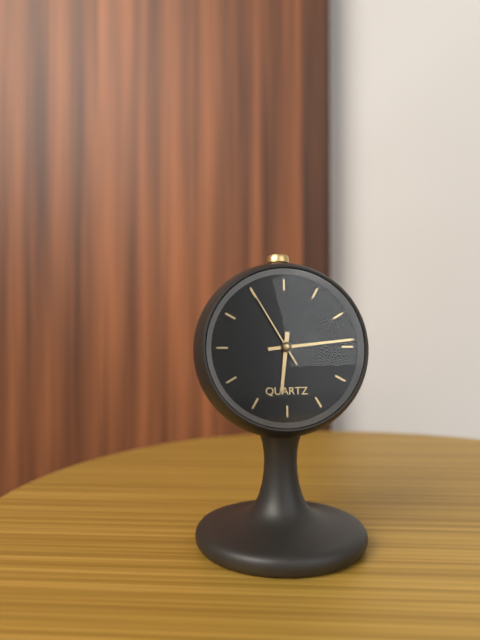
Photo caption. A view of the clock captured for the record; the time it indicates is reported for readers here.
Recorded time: 6:14:55
